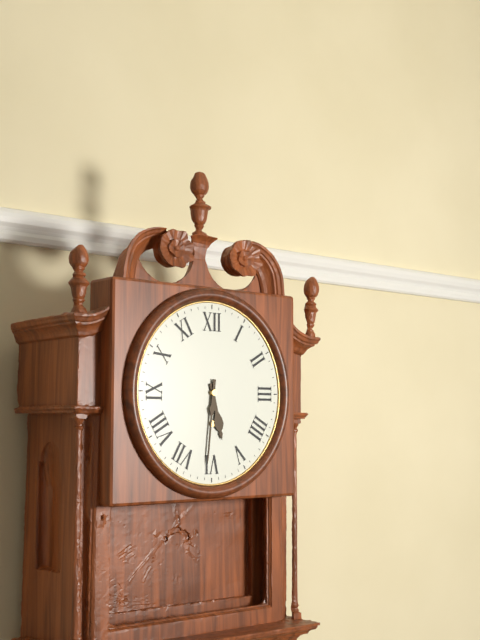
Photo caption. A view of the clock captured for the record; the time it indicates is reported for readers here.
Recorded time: 5:31
